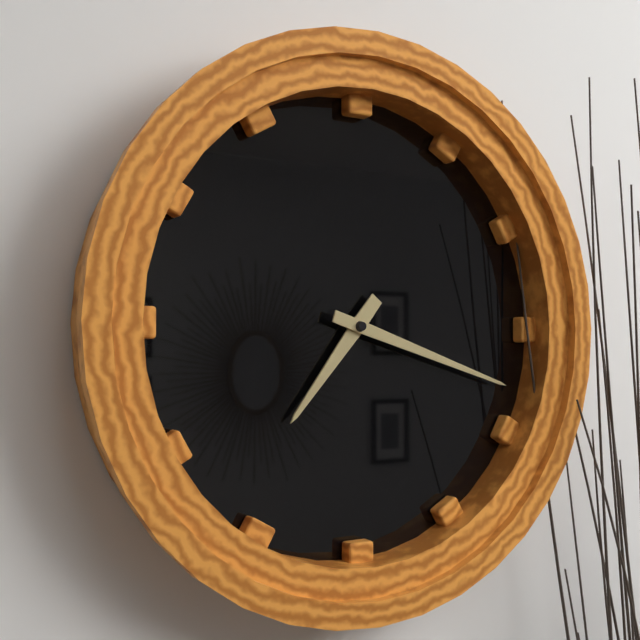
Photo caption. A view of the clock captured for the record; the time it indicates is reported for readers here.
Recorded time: 7:18
